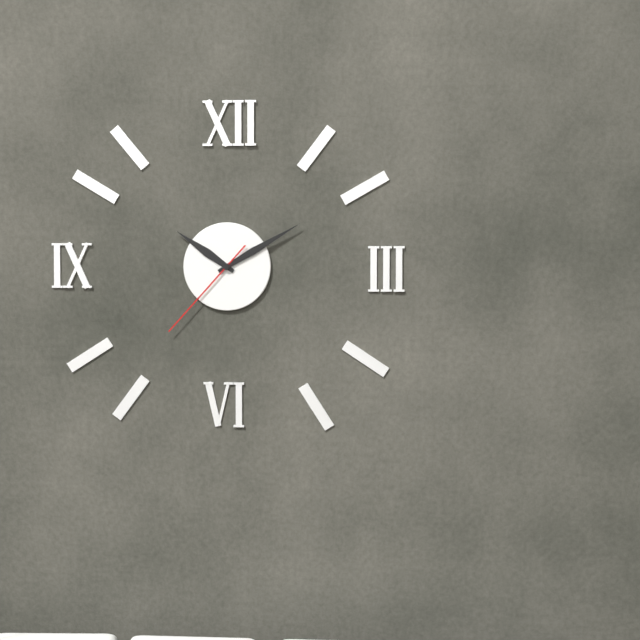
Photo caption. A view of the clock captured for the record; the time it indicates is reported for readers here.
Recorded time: 10:10:37
